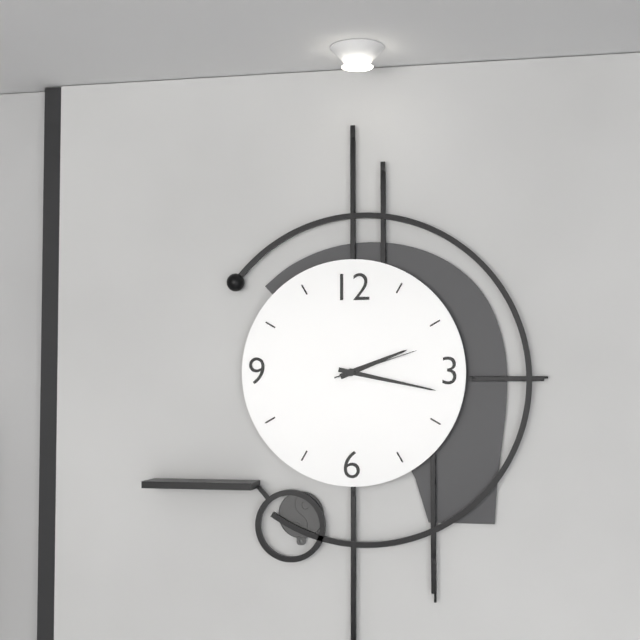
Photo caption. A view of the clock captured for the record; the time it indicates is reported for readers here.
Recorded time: 2:17:12
